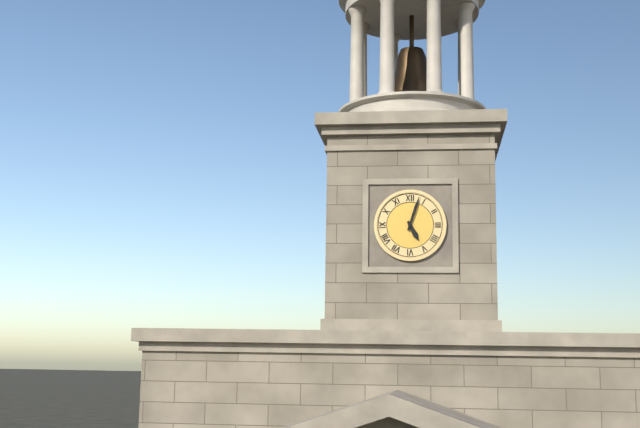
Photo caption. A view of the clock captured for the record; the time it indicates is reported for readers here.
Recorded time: 5:03
